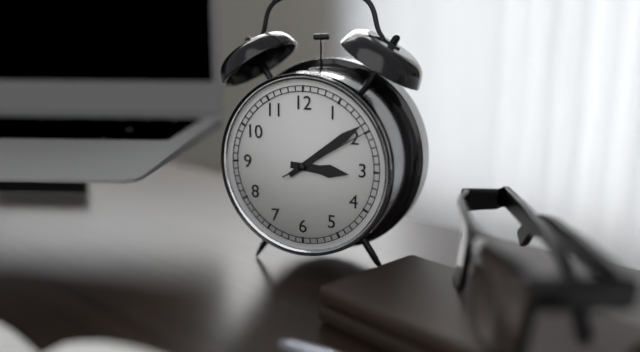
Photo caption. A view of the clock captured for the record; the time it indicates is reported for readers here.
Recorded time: 3:09:10
